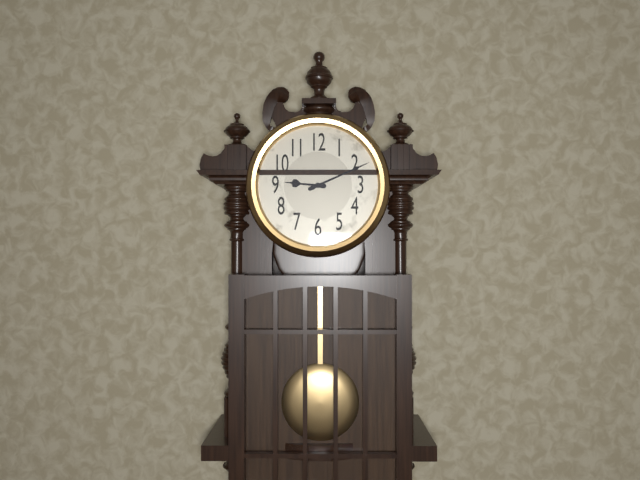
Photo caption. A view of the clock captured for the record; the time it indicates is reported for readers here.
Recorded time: 9:11
